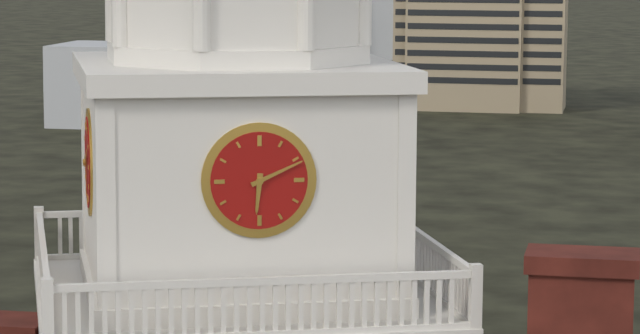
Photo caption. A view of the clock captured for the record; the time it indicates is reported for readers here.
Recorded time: 6:11
